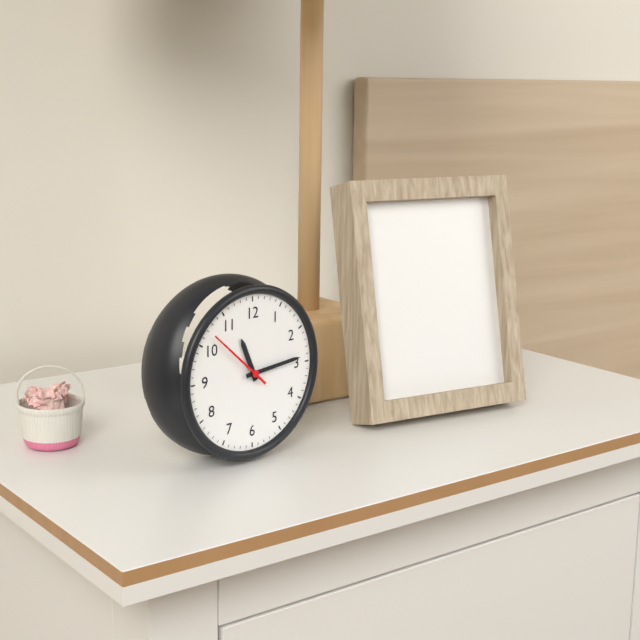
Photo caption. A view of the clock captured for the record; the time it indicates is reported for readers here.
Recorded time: 11:14:52
